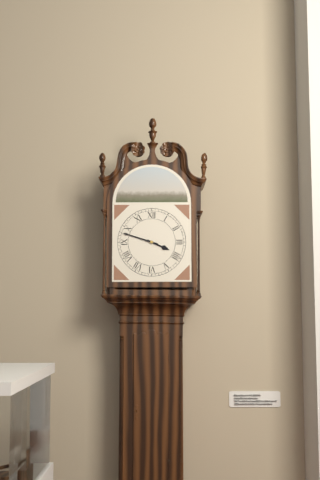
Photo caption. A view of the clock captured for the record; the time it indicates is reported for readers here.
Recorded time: 3:48
